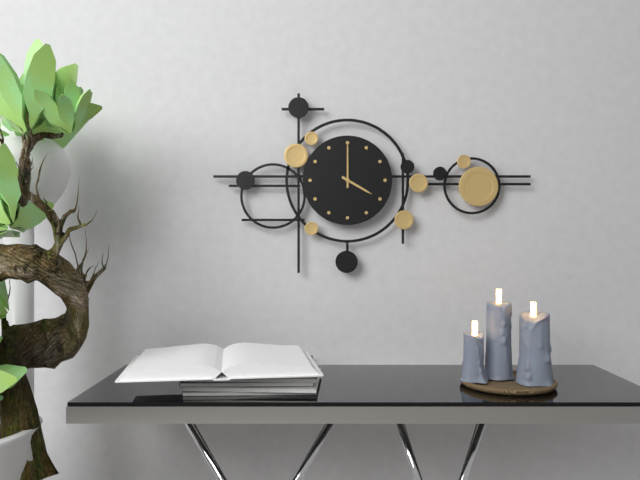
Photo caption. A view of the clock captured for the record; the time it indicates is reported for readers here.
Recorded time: 4:00
